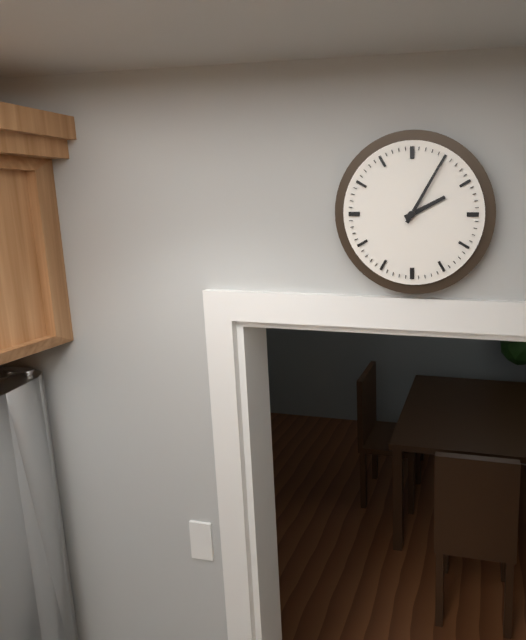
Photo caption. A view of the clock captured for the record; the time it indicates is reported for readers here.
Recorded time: 2:05
